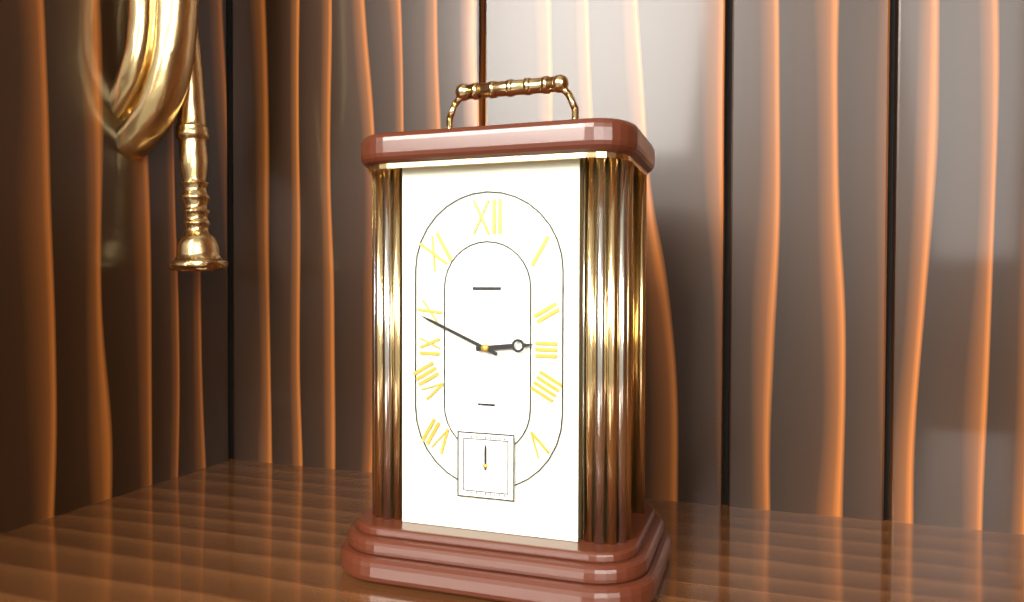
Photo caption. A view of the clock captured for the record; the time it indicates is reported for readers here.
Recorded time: 2:49
